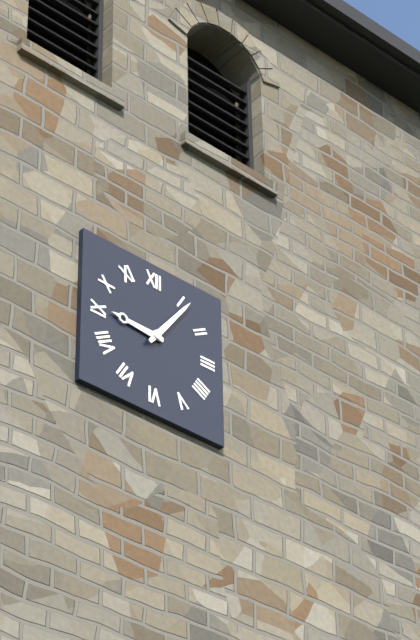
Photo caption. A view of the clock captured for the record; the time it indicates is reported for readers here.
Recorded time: 9:06
